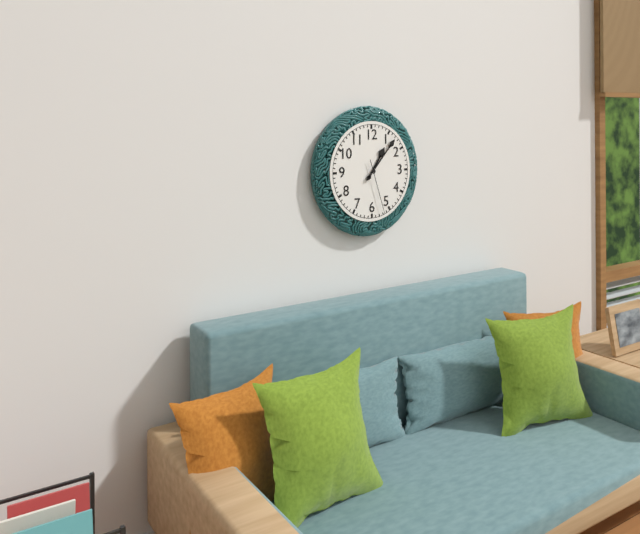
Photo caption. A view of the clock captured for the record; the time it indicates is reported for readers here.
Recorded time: 1:07:27
